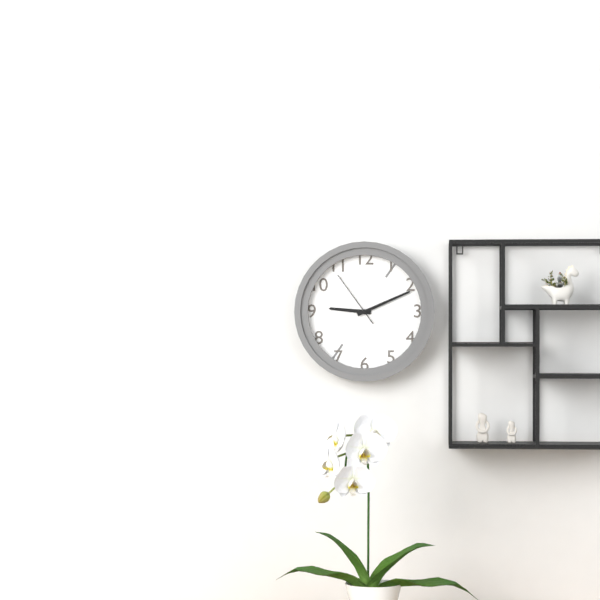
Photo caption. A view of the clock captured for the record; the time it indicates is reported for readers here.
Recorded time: 9:11:54
